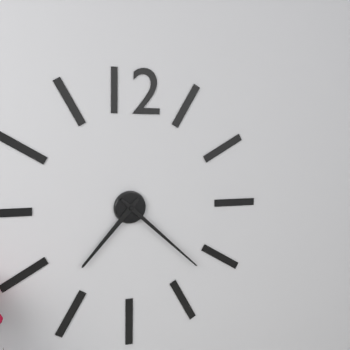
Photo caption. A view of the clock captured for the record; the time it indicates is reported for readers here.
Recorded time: 7:22
